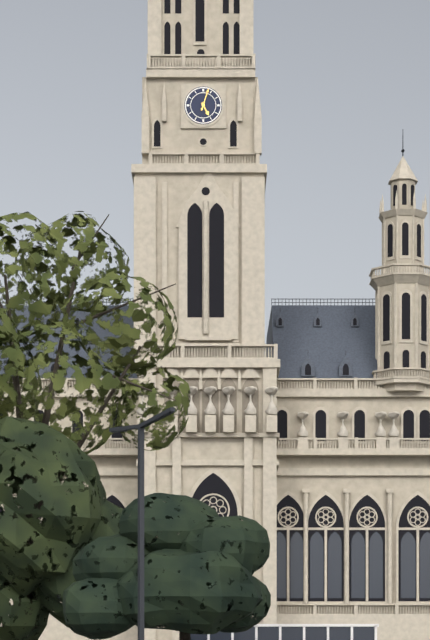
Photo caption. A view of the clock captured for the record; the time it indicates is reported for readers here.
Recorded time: 5:03
